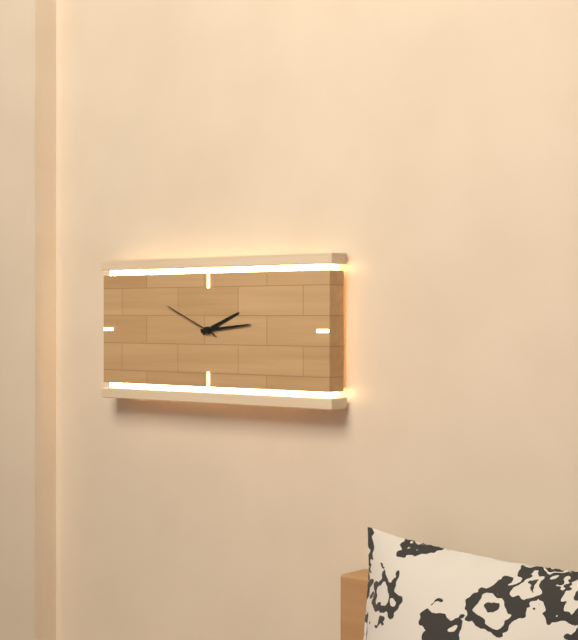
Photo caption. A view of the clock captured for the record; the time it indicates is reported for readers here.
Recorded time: 2:14:49
